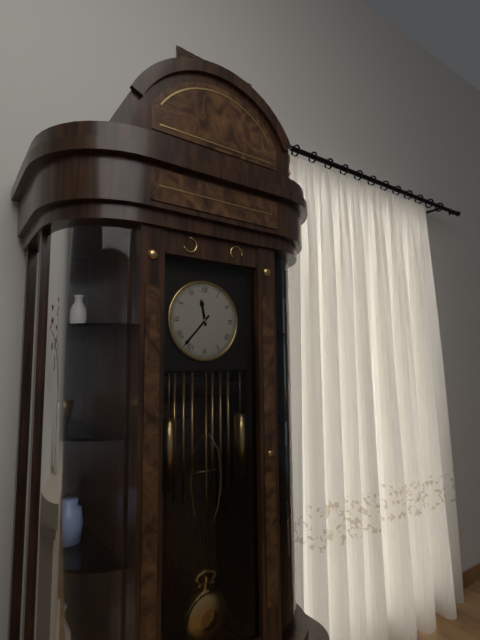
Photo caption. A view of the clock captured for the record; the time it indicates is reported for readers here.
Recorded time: 11:37
